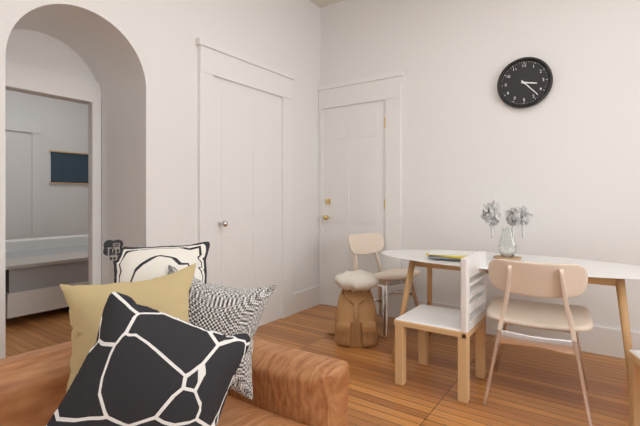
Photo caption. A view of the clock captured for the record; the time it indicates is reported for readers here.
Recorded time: 3:23
